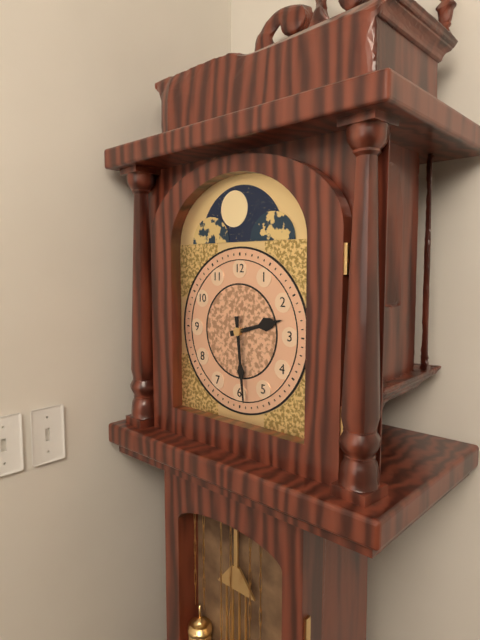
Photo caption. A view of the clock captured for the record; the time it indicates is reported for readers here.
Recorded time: 2:29
